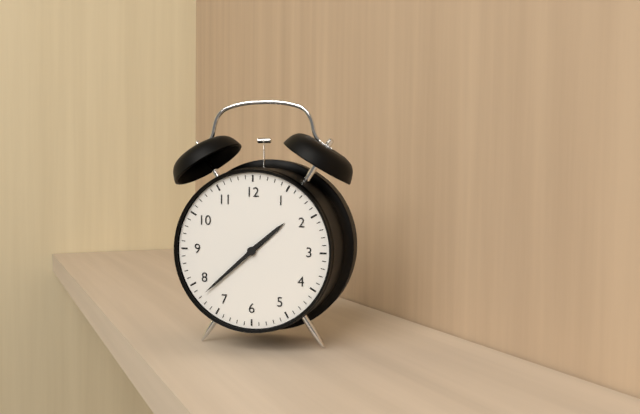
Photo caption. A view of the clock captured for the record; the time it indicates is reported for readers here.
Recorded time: 1:38
